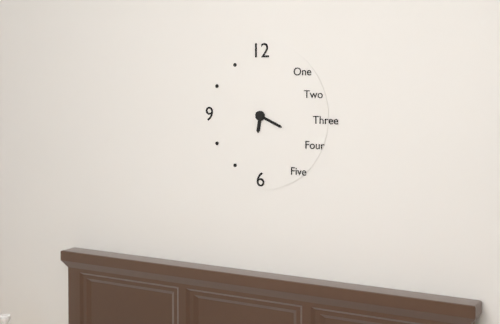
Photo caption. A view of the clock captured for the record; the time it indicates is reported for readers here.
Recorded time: 6:19
